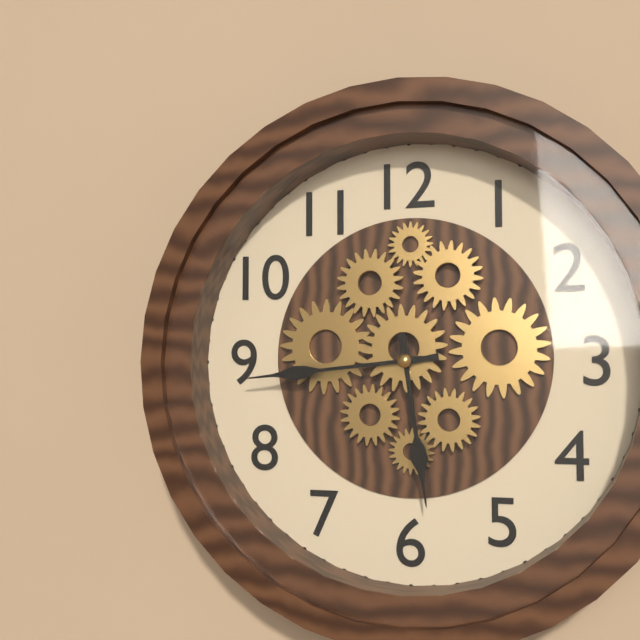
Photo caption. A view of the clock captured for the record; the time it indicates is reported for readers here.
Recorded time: 5:44
